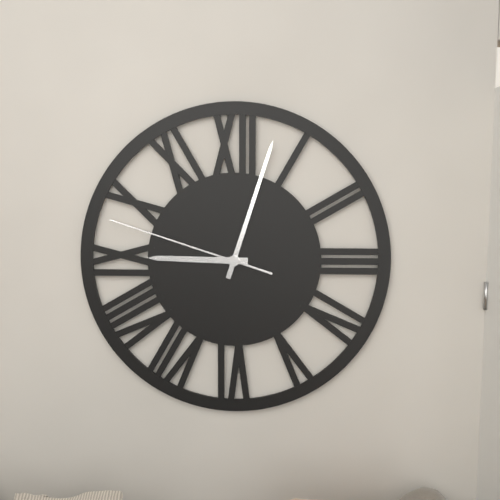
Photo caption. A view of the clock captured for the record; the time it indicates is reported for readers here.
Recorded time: 9:03:48
